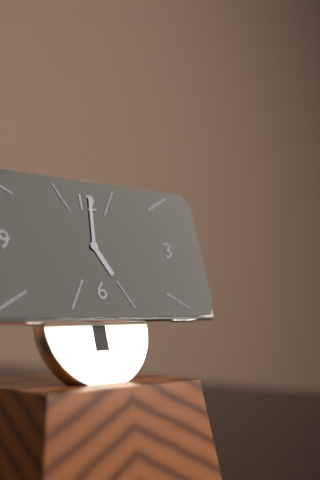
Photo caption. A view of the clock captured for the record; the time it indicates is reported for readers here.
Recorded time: 5:01
